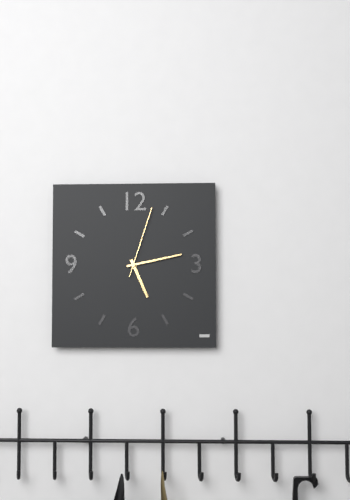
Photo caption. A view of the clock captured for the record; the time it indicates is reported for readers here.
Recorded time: 5:13:03
